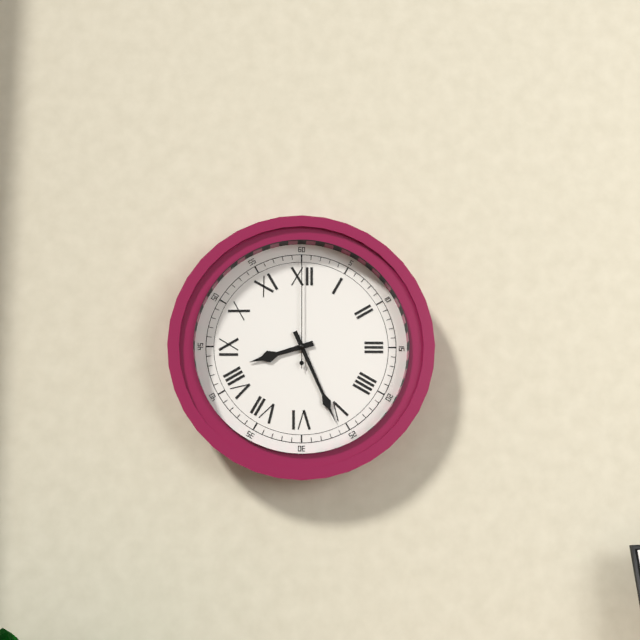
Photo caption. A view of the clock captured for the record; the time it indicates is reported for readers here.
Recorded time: 8:26:00
